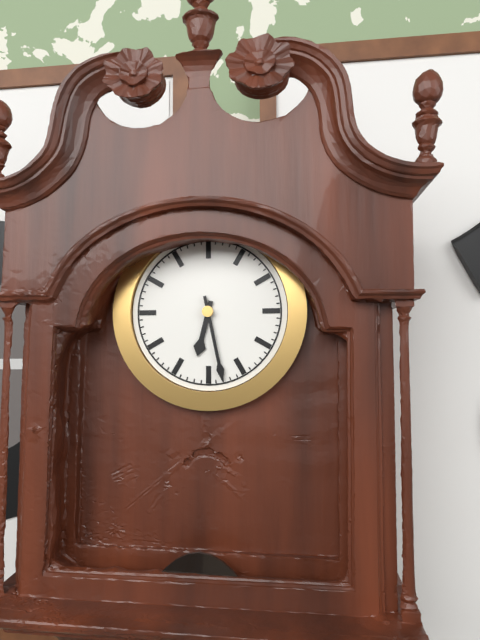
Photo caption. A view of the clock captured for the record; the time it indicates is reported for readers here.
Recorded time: 6:28
